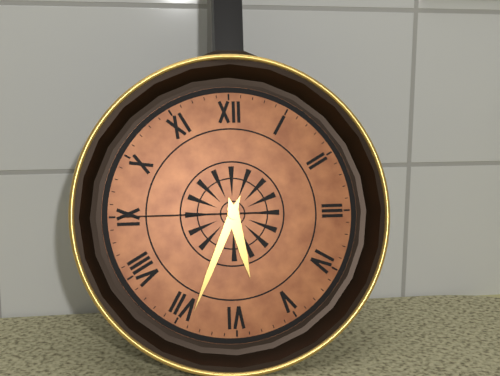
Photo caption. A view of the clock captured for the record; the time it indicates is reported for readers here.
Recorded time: 5:34:45
